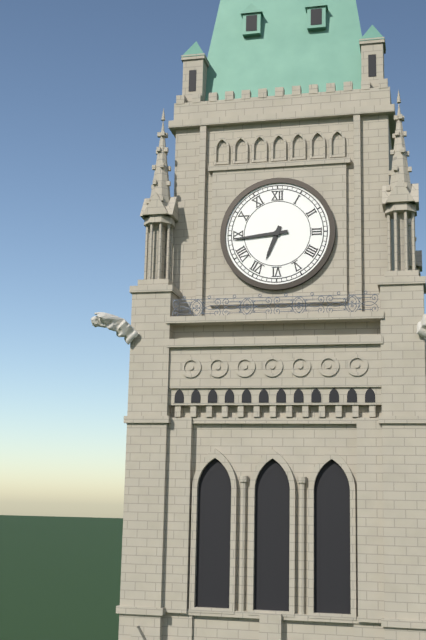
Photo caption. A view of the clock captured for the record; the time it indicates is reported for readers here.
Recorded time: 6:44
